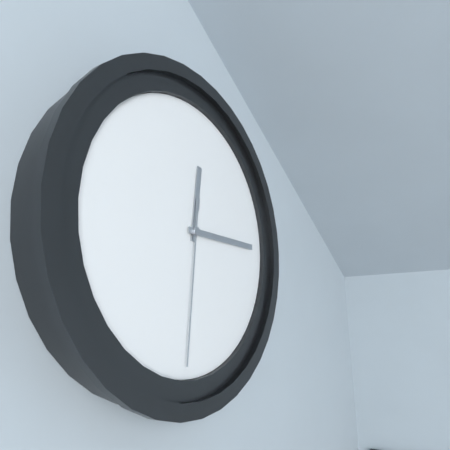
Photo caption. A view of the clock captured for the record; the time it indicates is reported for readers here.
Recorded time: 12:15:31
